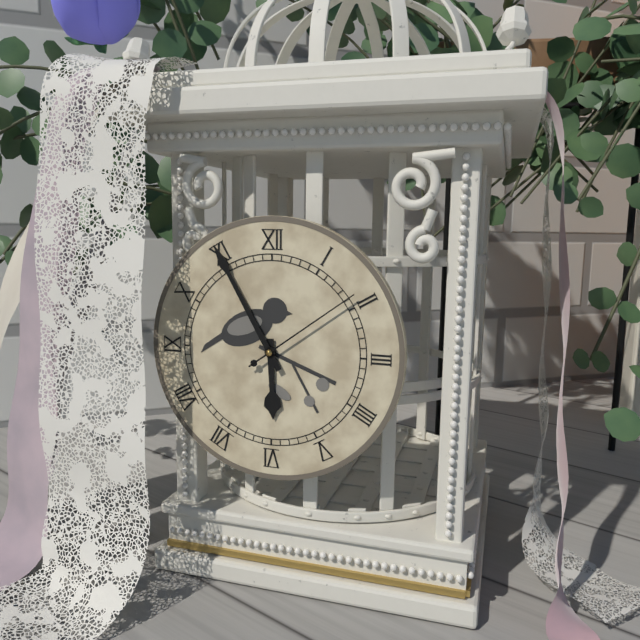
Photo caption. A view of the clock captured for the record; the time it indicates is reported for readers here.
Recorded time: 5:55:09
